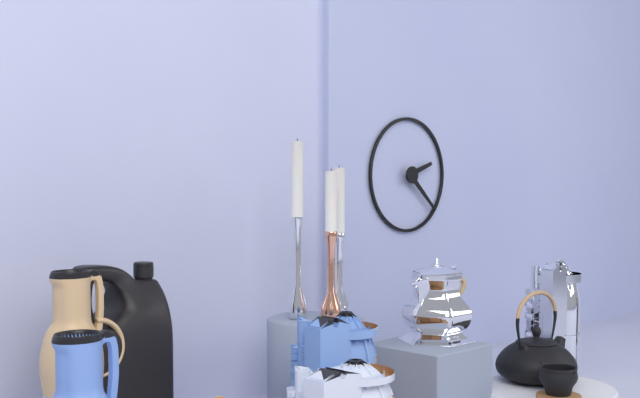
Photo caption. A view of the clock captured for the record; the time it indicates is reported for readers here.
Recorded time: 2:22
